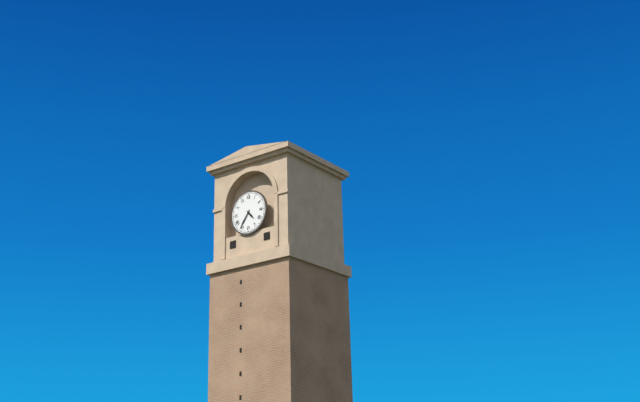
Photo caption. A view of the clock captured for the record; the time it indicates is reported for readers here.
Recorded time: 4:36
